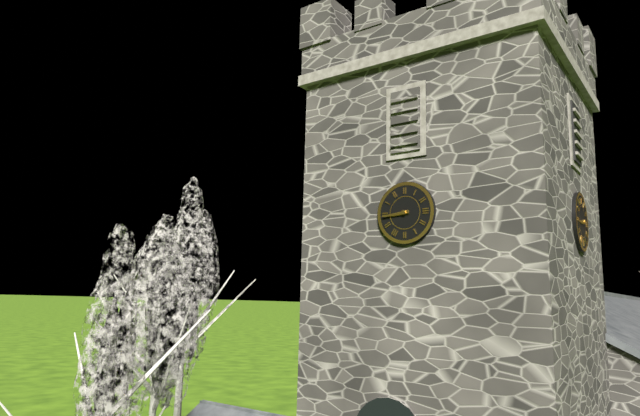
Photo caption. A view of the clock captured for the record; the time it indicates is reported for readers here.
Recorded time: 8:44
